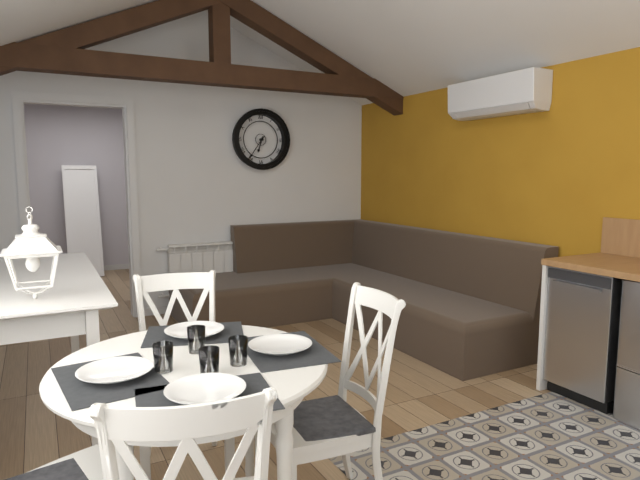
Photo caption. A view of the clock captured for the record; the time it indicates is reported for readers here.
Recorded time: 6:36
